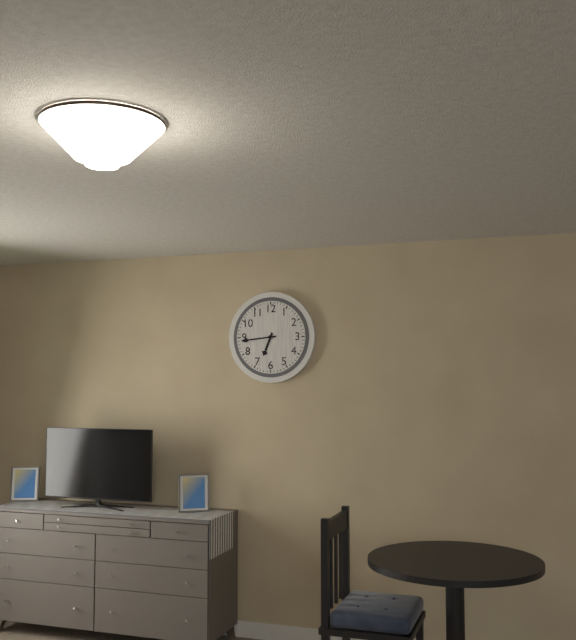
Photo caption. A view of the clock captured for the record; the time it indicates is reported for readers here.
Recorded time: 6:44
